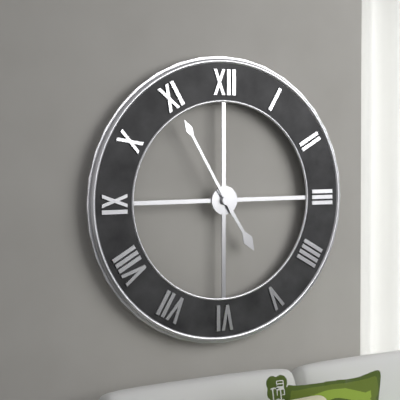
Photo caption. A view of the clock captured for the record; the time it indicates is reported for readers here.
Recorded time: 4:55
